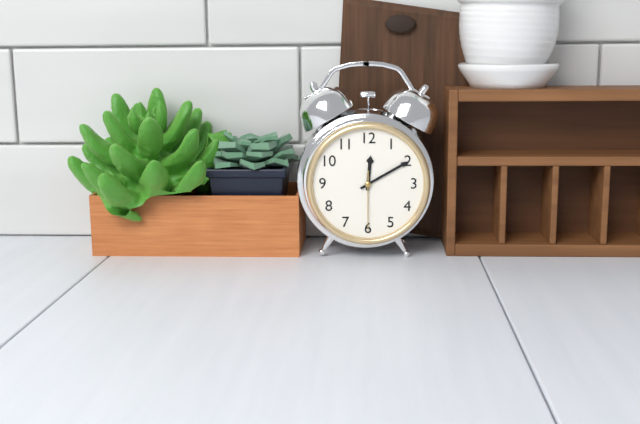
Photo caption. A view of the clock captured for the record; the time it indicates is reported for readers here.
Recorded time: 12:10:30
